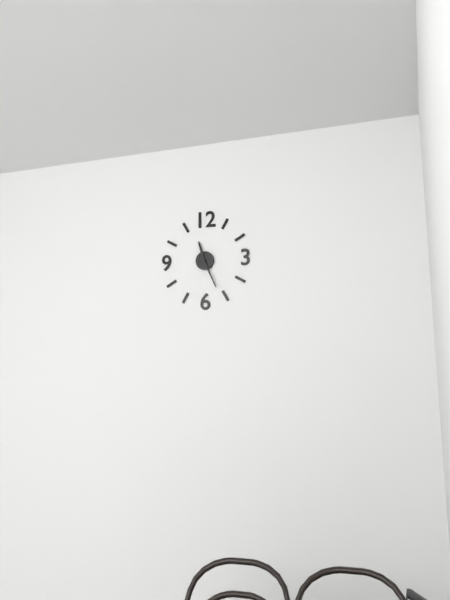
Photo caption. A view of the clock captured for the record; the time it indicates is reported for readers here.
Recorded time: 11:26
